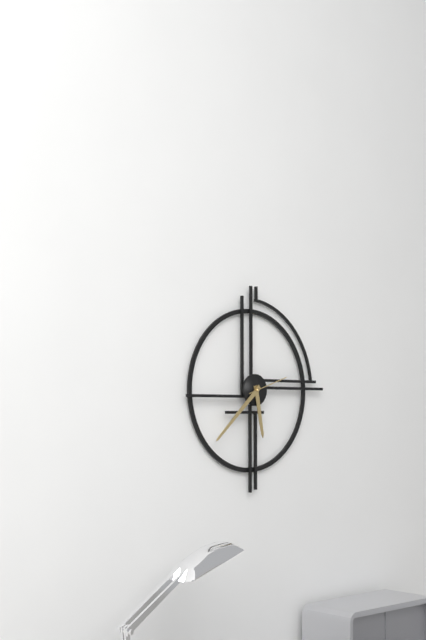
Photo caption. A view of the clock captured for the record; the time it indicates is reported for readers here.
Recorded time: 5:38
